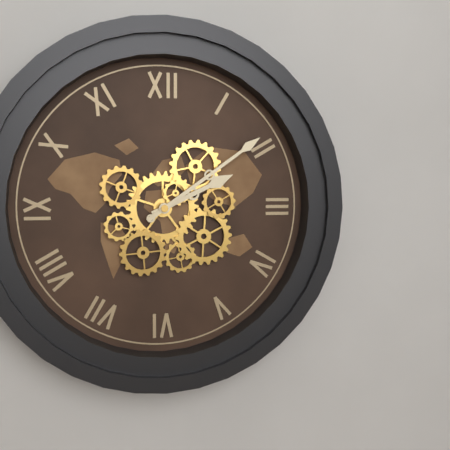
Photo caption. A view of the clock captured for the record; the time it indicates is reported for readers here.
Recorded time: 2:09
